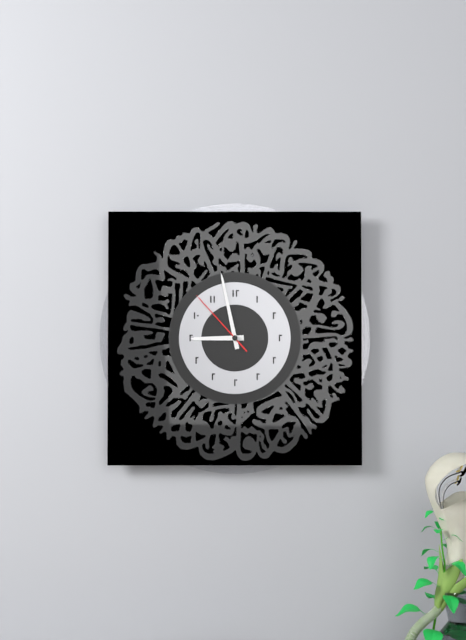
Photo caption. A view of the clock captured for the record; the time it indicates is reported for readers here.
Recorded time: 8:58:53
